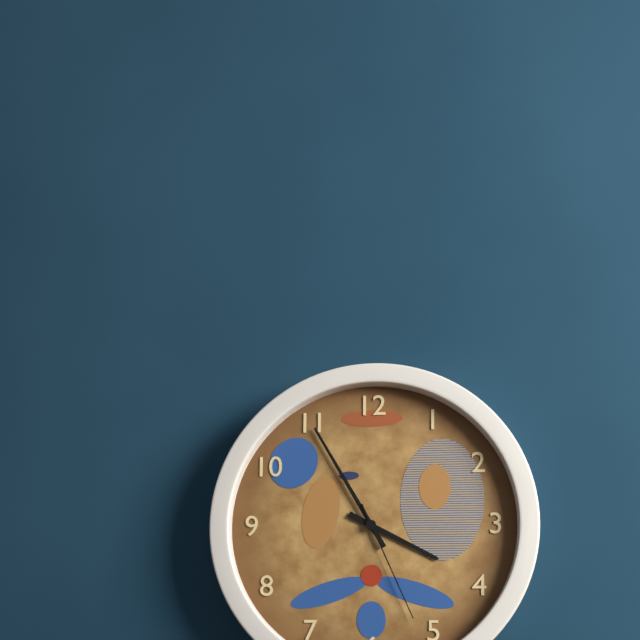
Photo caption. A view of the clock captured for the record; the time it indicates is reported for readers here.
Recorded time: 3:55:26
